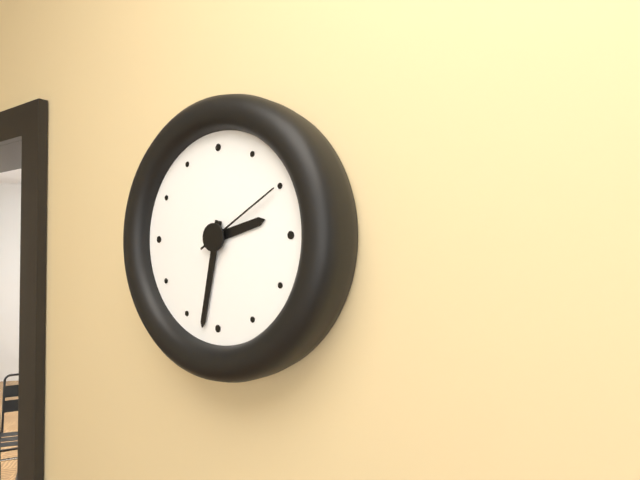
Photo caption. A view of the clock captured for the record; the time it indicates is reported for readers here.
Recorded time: 2:32:10
